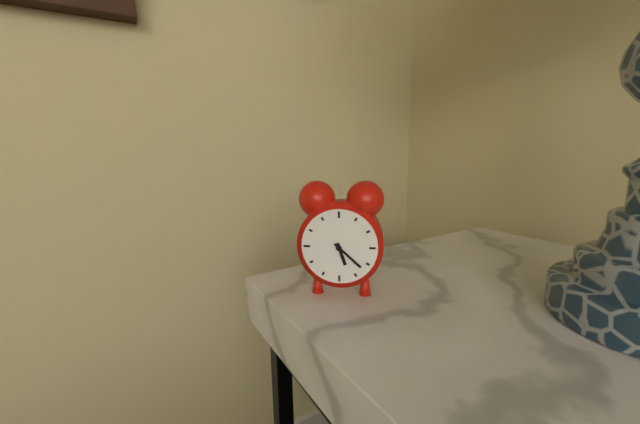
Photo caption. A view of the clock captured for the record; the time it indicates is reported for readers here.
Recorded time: 5:22
